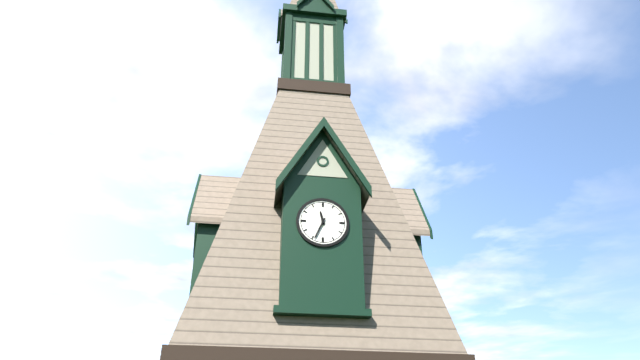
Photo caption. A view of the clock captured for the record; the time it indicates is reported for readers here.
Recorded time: 11:34
